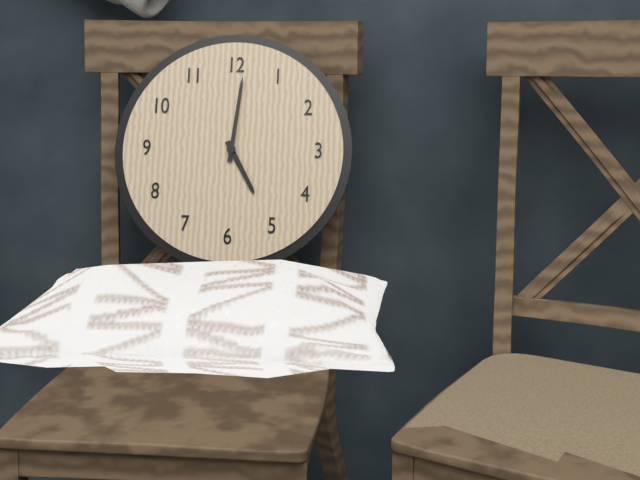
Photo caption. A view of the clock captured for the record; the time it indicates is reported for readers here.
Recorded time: 5:01
